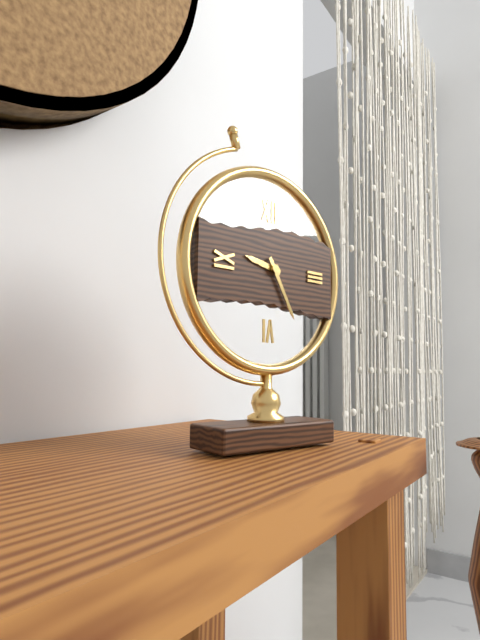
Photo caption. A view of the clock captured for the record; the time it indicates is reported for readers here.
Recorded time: 9:25
